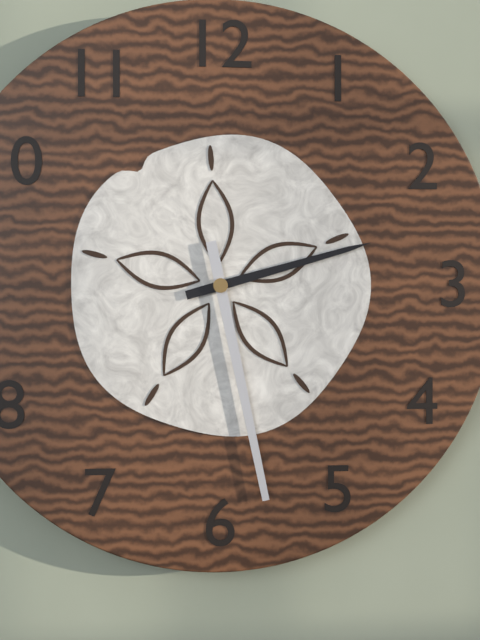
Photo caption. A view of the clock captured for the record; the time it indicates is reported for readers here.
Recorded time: 2:28
